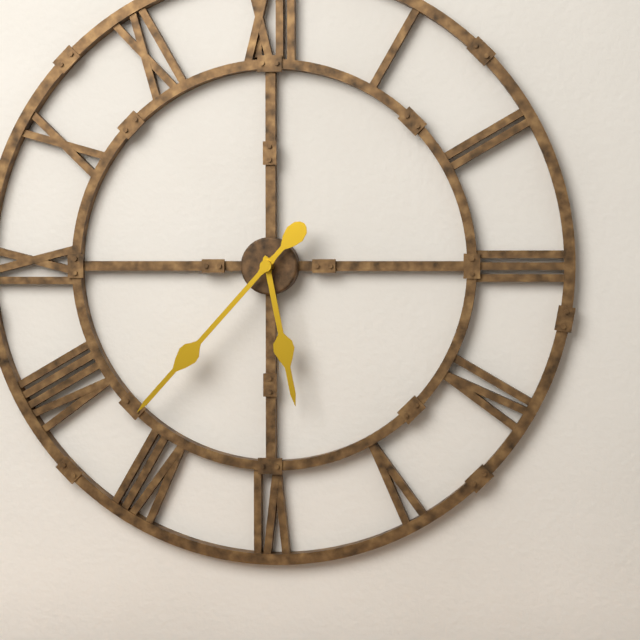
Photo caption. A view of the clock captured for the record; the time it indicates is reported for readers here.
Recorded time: 5:37
